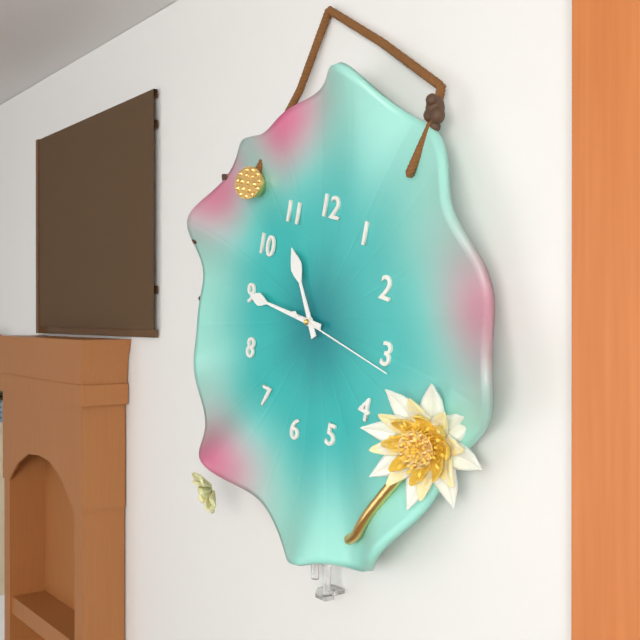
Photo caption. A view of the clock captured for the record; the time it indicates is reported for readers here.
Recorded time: 10:45:16
